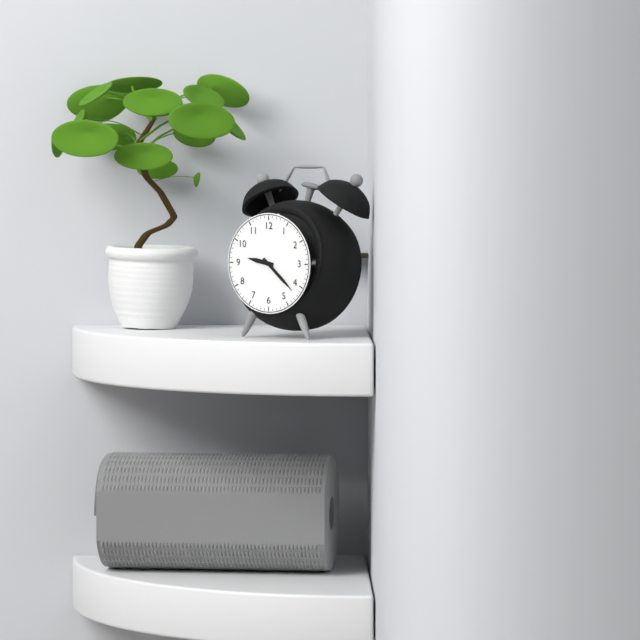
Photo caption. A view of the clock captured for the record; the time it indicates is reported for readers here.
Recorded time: 9:22
